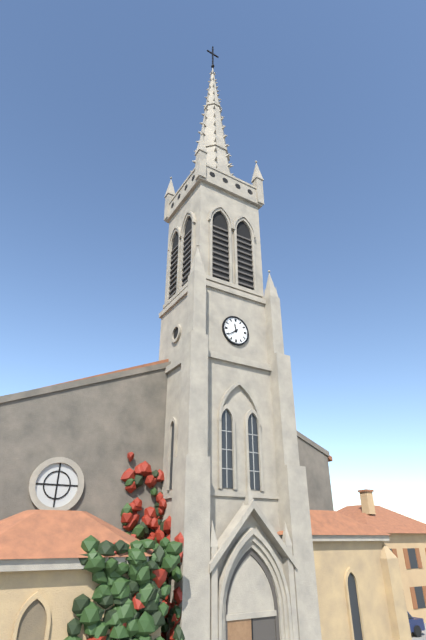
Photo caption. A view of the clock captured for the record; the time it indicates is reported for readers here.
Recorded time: 11:39
